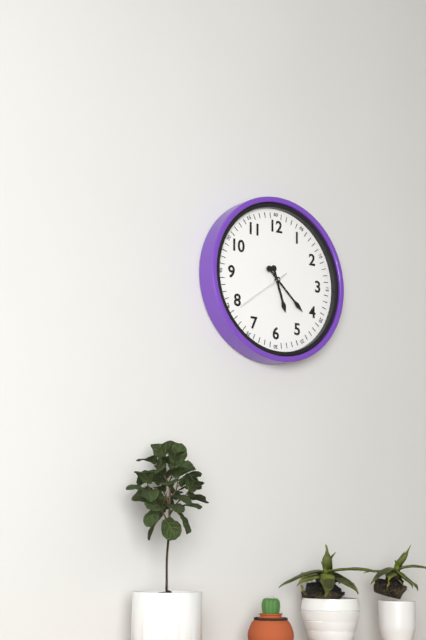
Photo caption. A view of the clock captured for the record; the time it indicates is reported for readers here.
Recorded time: 5:22
